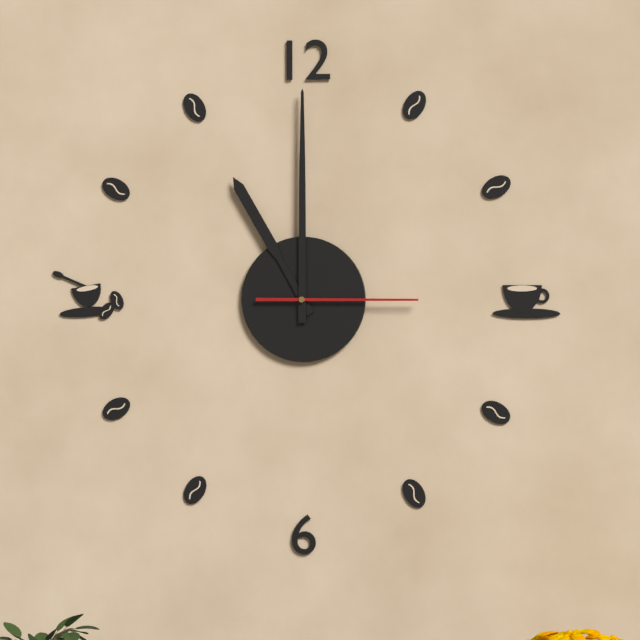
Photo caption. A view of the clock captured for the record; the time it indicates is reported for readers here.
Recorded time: 11:00:15
